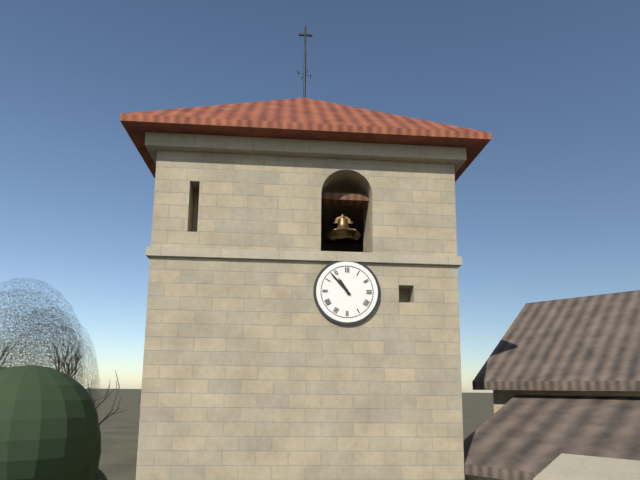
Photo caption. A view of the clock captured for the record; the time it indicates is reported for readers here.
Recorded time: 10:53
